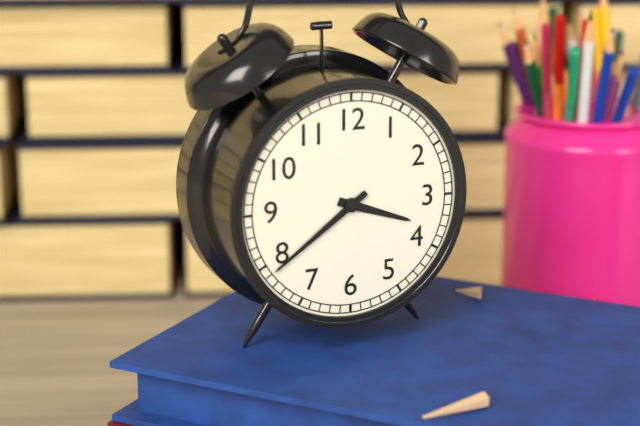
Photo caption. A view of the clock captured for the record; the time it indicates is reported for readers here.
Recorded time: 3:39
